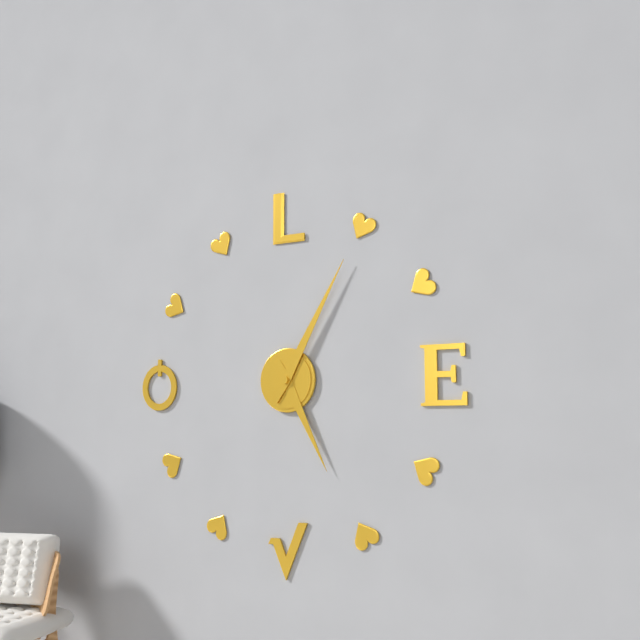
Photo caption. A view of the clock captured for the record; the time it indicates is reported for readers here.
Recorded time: 5:05
